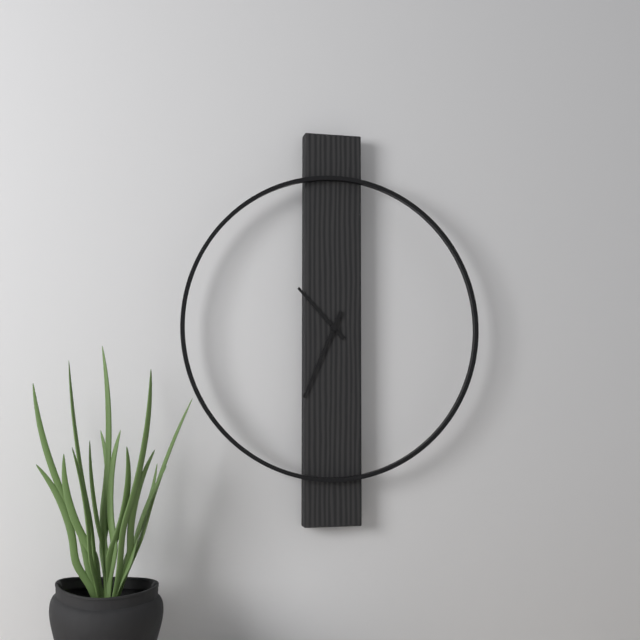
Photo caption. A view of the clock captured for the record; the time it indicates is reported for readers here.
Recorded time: 10:34
